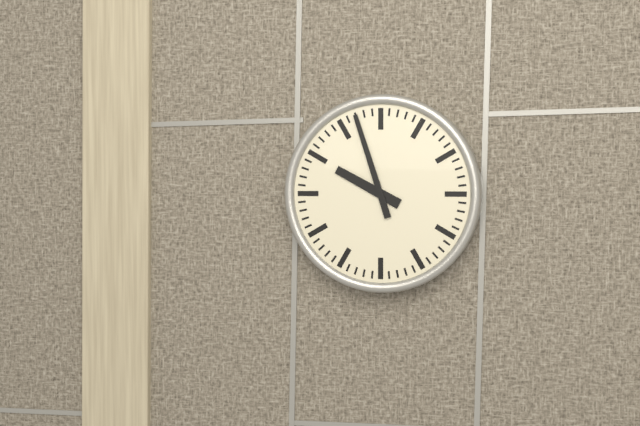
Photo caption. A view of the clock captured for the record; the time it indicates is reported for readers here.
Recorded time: 9:57
